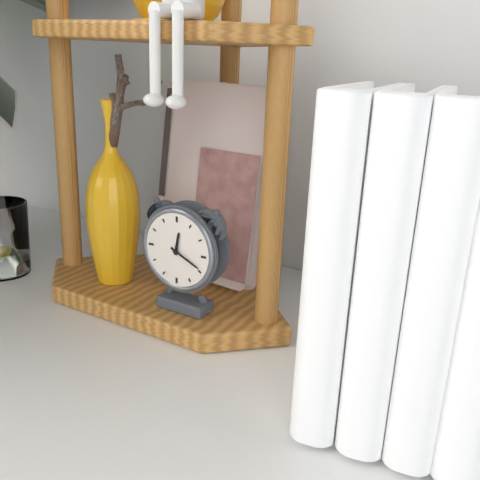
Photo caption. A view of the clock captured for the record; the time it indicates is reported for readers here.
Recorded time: 12:19
